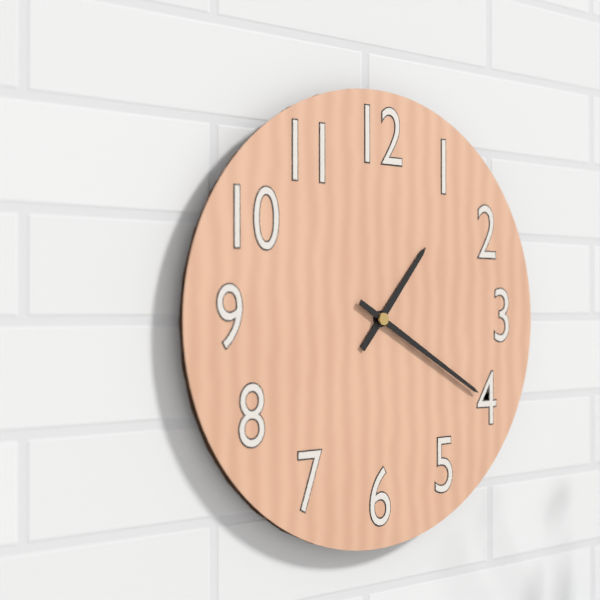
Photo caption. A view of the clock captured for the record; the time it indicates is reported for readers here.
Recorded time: 1:20
